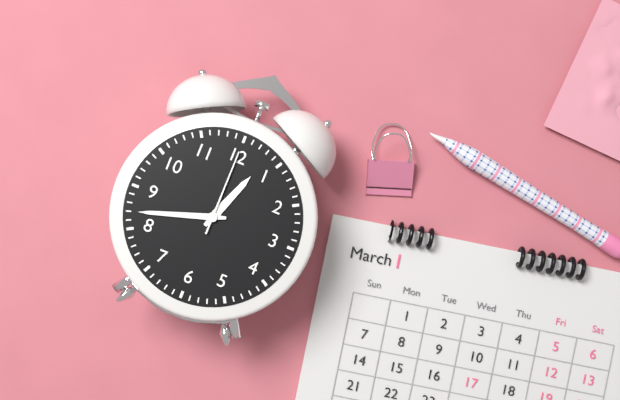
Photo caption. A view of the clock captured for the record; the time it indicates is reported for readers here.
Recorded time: 12:42:00
